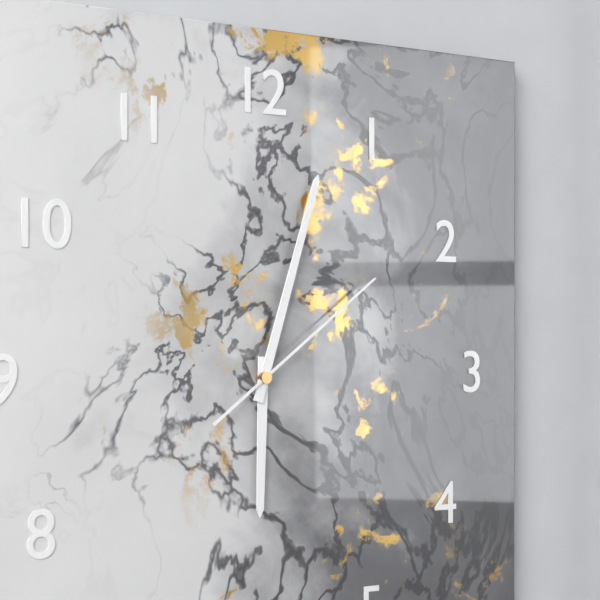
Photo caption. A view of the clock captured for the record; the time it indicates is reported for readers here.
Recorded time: 6:03:09
